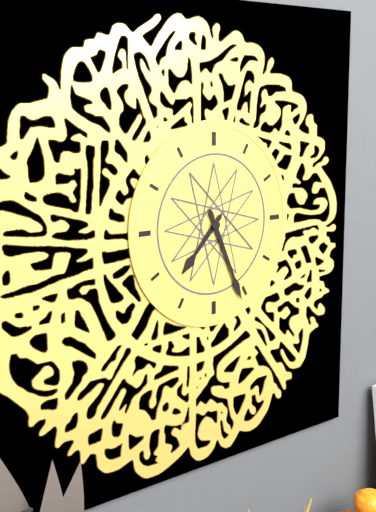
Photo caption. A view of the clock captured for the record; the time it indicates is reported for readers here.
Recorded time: 7:26
